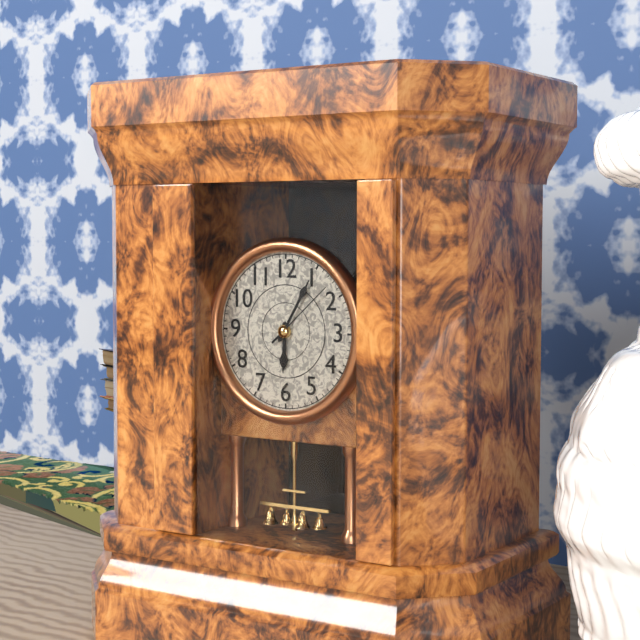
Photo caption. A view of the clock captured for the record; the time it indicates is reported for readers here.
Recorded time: 6:05:08
